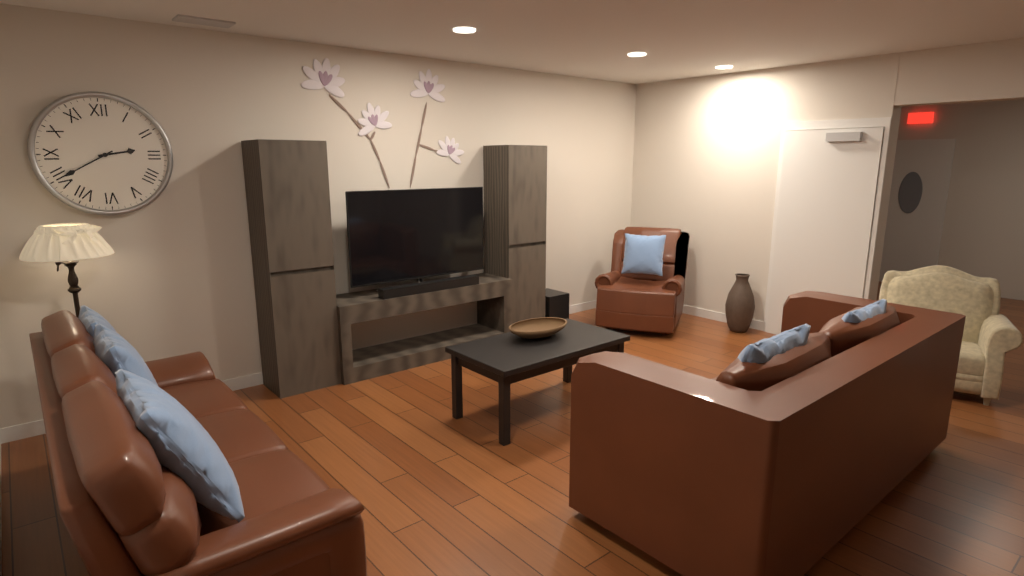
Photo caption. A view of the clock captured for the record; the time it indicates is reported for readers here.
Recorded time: 2:40
